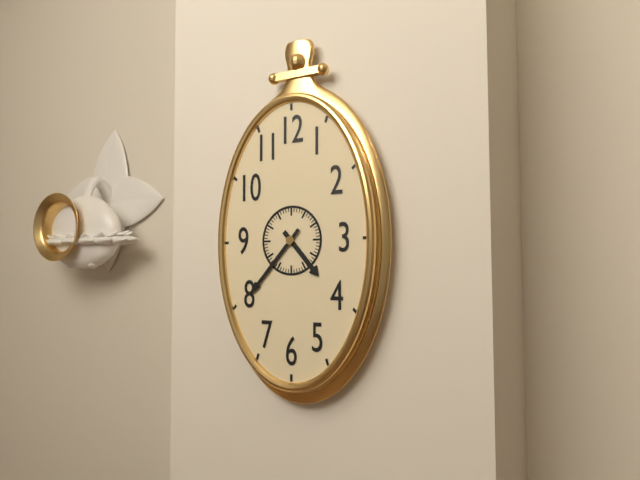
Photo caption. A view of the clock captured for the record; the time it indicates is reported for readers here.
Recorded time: 4:37
